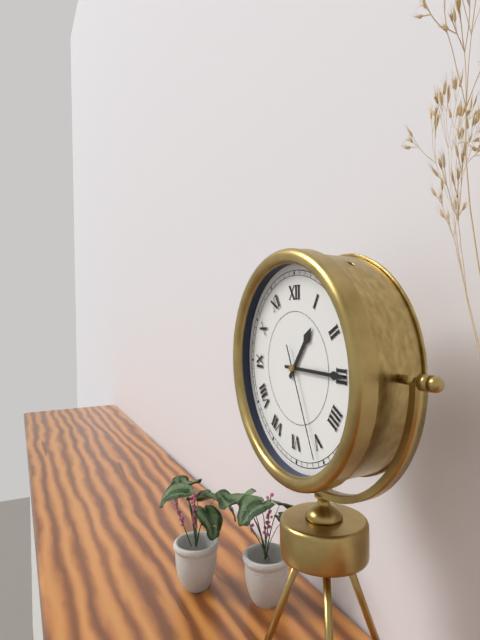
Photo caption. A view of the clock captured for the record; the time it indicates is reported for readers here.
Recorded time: 1:15:26
